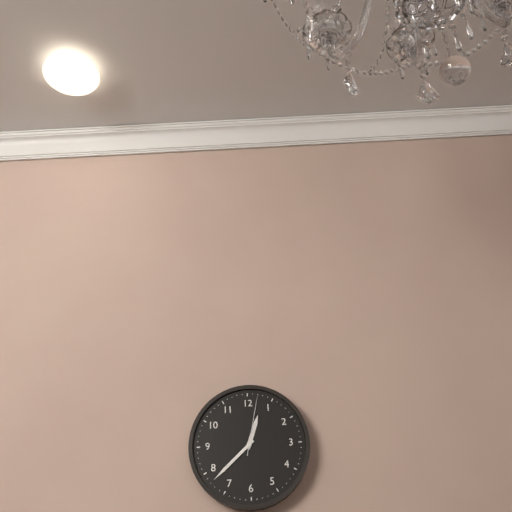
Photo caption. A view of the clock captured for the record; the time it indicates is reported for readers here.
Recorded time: 12:38:02
